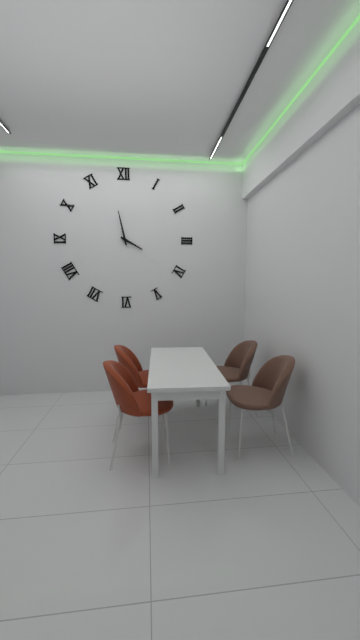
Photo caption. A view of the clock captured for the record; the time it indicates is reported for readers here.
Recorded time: 3:58
